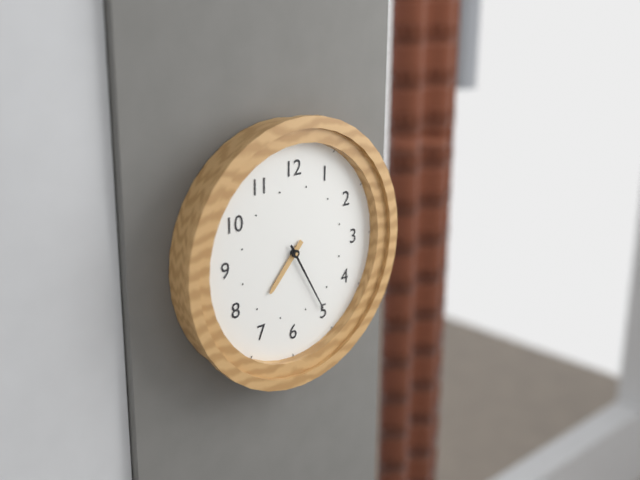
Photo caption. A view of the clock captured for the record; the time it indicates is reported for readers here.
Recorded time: 7:25
